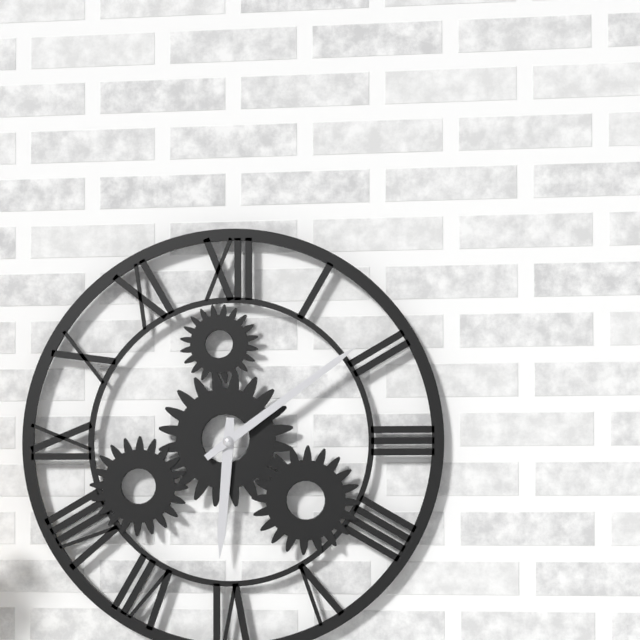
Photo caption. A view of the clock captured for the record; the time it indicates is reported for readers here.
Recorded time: 6:09
